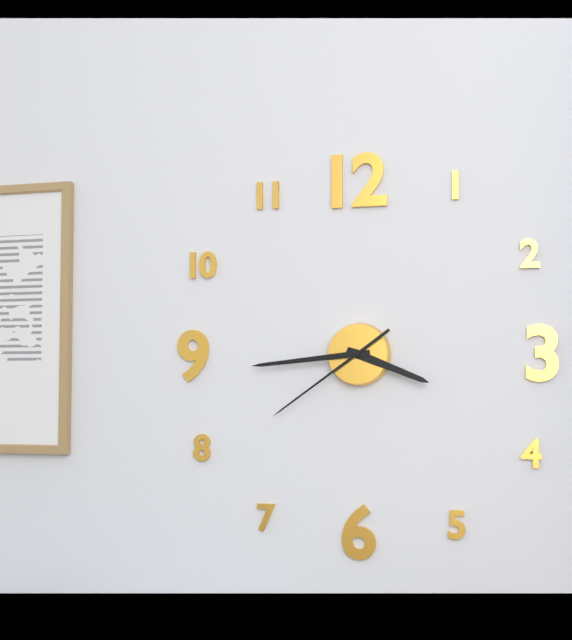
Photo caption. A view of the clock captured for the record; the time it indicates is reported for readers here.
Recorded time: 3:44:39
